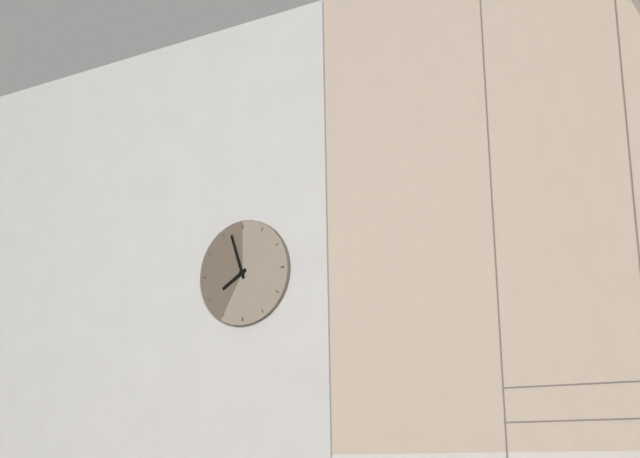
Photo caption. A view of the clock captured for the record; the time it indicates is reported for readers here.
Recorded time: 7:57
